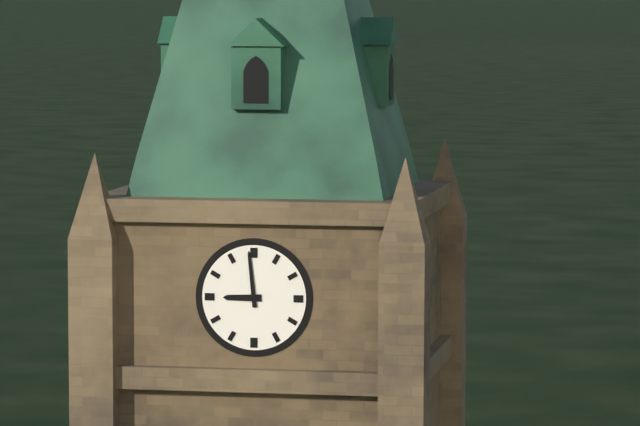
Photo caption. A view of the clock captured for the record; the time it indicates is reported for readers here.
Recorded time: 8:59
